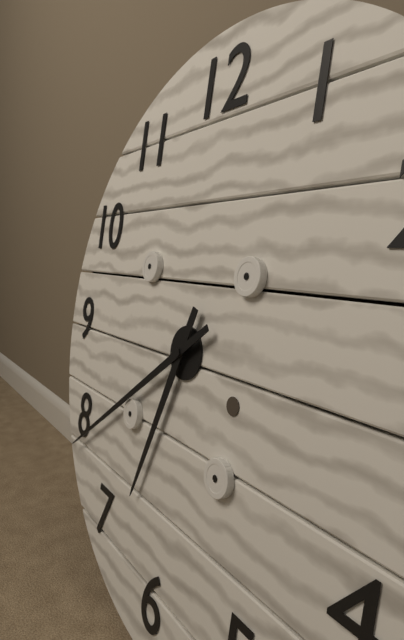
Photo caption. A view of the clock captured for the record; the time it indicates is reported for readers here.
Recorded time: 6:39
